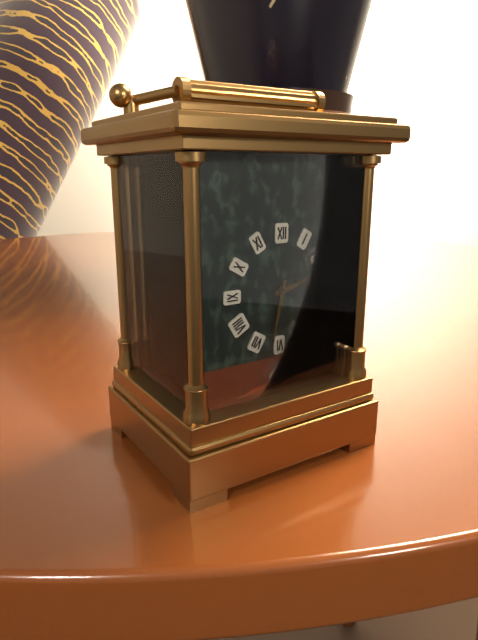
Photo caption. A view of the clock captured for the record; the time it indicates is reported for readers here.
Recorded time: 2:32
